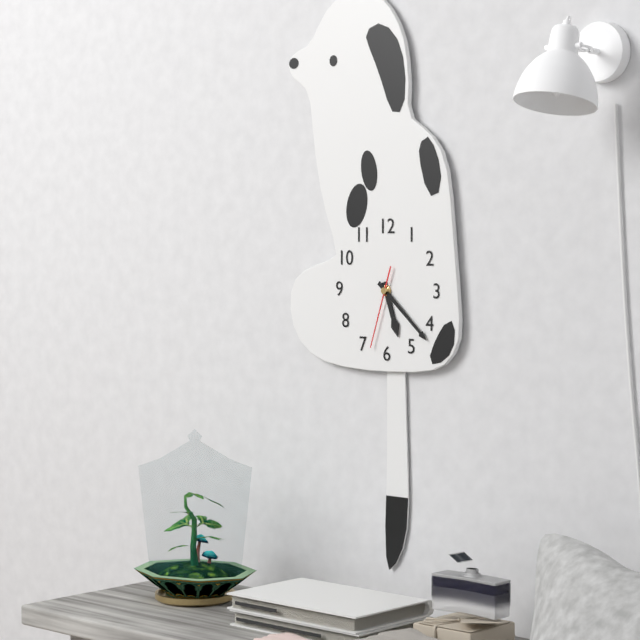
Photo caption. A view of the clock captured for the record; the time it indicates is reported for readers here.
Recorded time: 5:22:33
